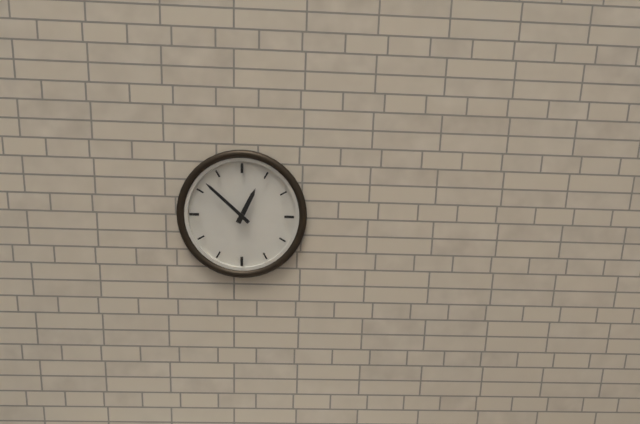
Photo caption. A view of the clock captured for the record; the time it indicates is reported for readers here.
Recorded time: 12:52
